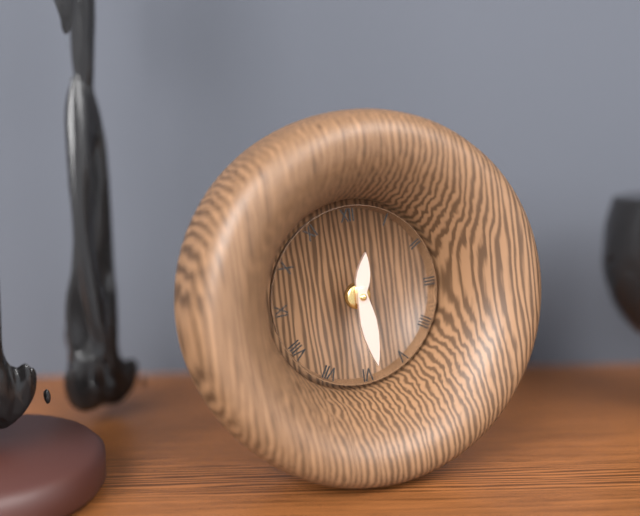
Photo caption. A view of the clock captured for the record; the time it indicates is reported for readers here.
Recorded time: 12:29
